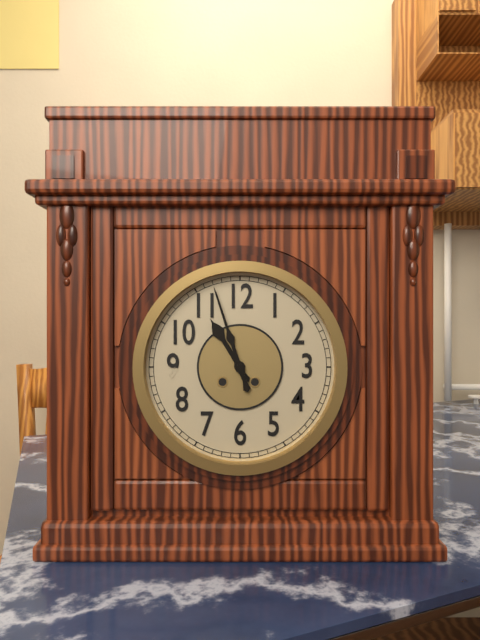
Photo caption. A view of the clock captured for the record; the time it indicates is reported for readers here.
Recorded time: 10:57
